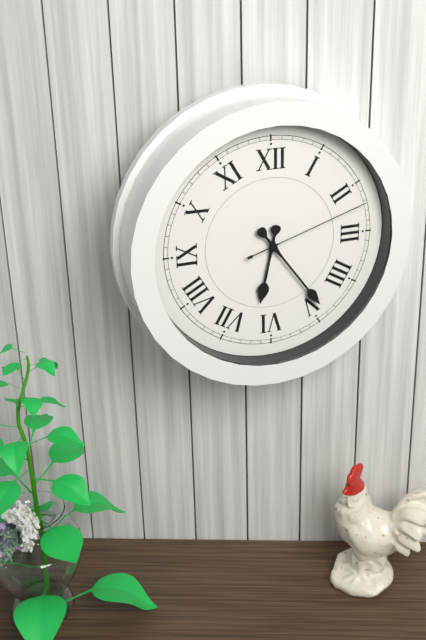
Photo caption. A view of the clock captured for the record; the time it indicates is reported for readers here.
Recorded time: 6:24:12
